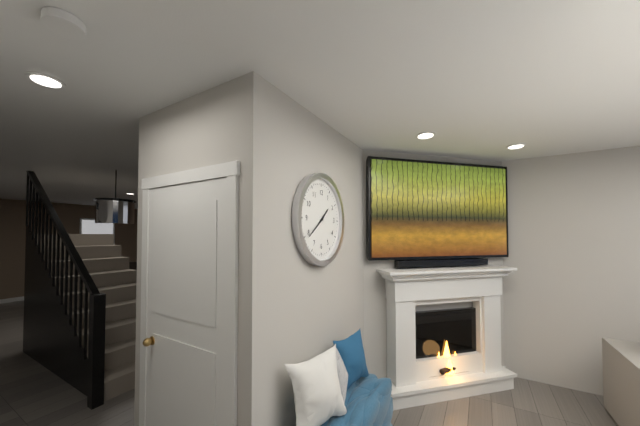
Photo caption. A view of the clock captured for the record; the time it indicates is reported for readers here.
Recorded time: 1:39
